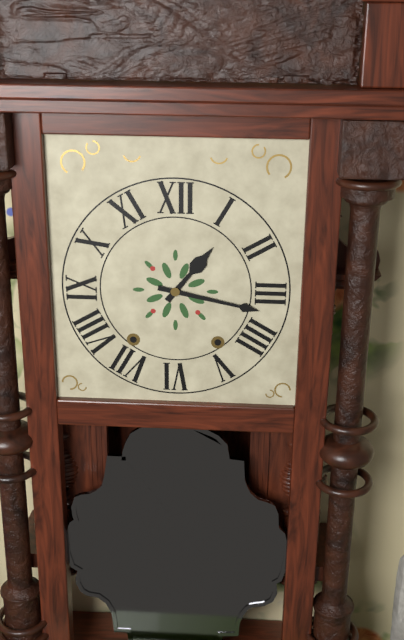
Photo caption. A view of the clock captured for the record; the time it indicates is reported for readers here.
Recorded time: 1:17
